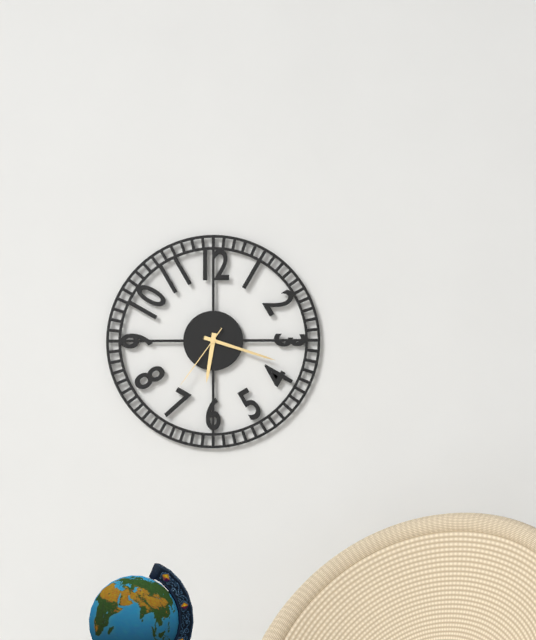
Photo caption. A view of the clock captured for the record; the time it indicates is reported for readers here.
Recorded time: 6:18:36
